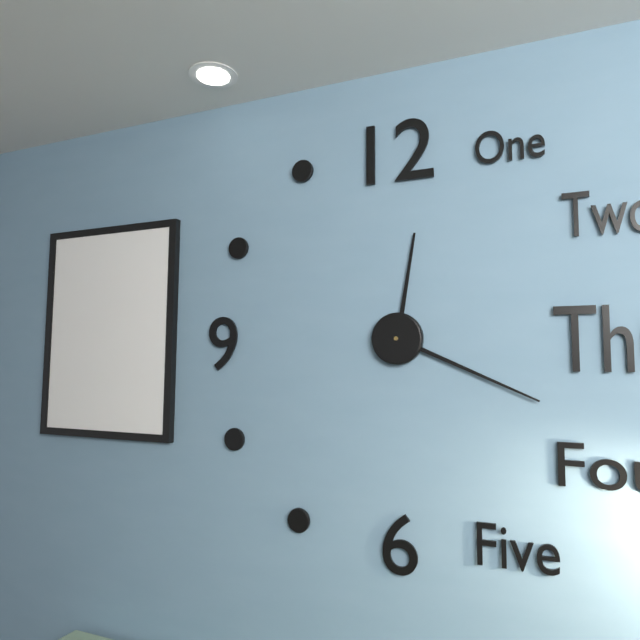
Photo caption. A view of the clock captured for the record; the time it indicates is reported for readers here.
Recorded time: 12:19
